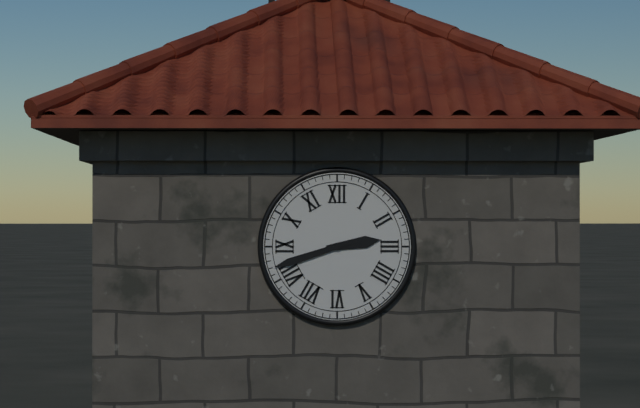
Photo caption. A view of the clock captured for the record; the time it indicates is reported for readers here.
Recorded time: 2:42
